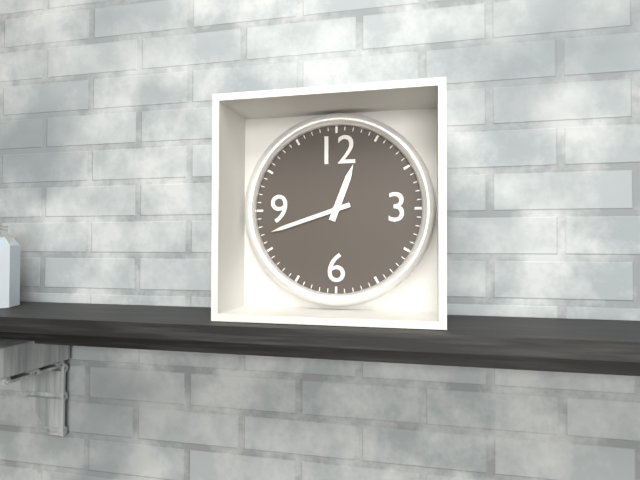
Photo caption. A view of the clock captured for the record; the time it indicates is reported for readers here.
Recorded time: 12:42
